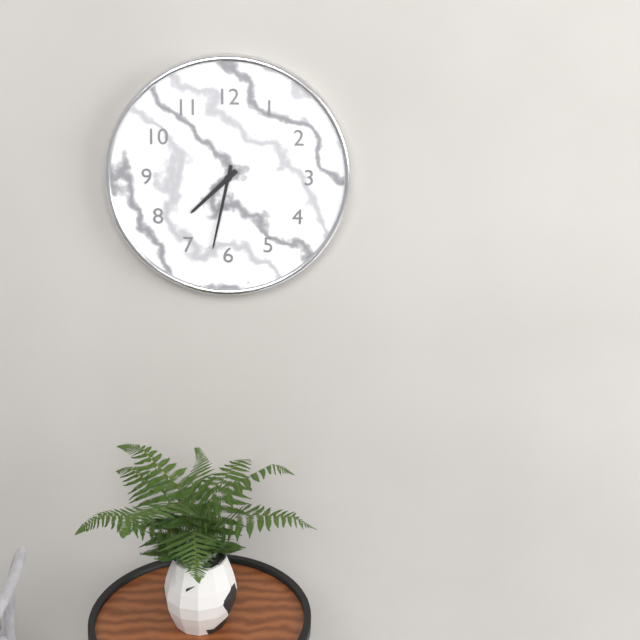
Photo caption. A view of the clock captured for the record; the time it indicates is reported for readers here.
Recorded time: 7:32
